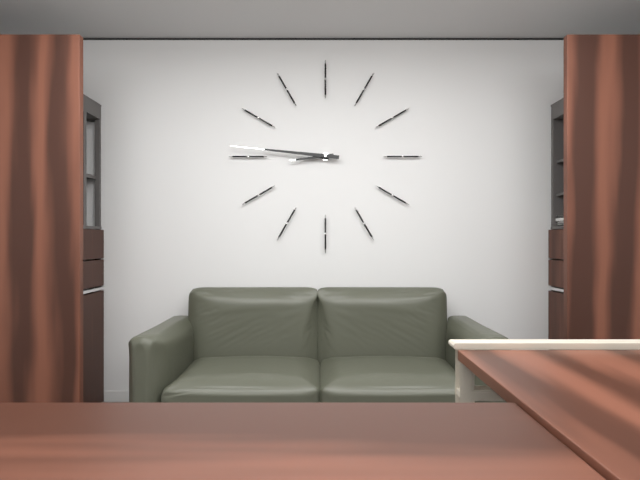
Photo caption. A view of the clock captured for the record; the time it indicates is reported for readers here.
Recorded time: 8:46
